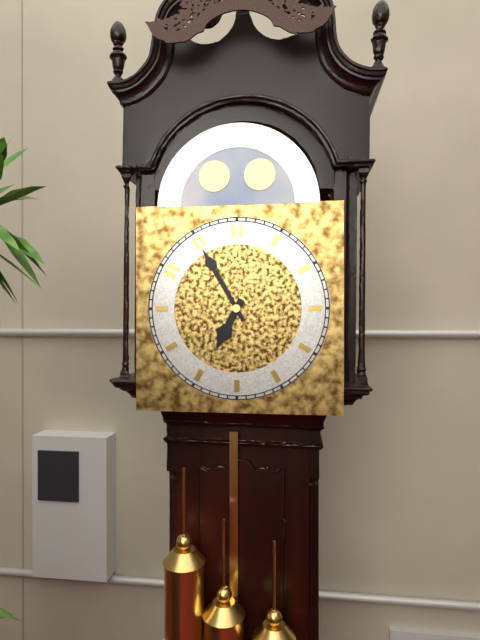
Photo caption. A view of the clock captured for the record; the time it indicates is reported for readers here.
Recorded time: 6:55
